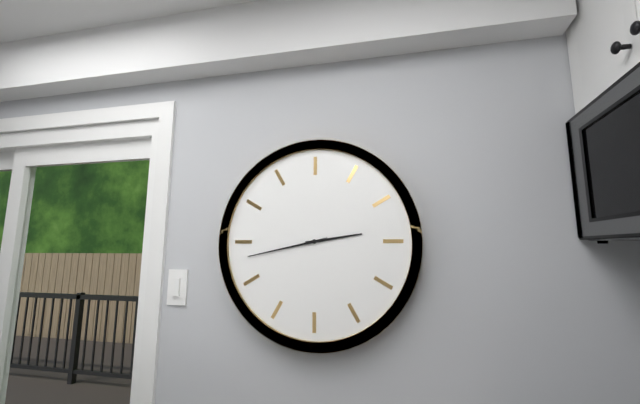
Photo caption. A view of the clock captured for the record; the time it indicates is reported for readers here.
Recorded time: 2:43
